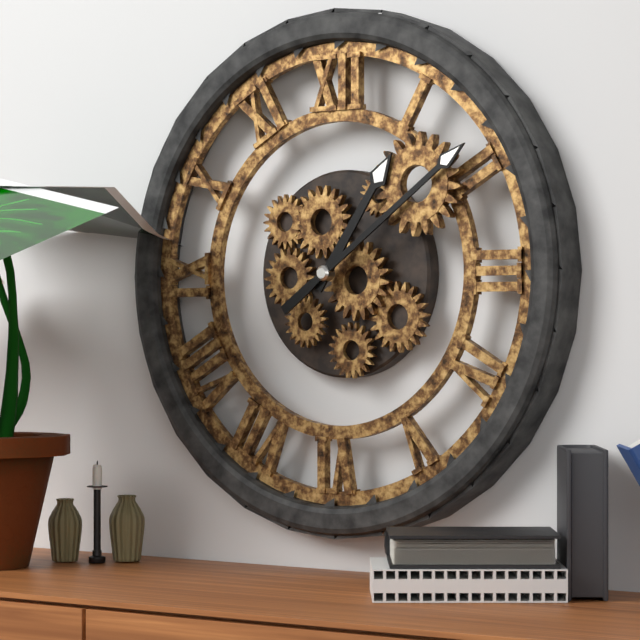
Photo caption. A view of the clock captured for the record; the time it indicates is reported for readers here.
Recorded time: 1:09
